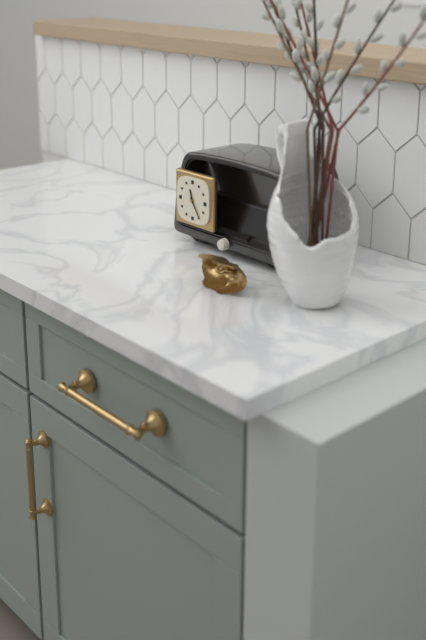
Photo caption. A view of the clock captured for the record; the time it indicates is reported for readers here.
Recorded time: 11:24
